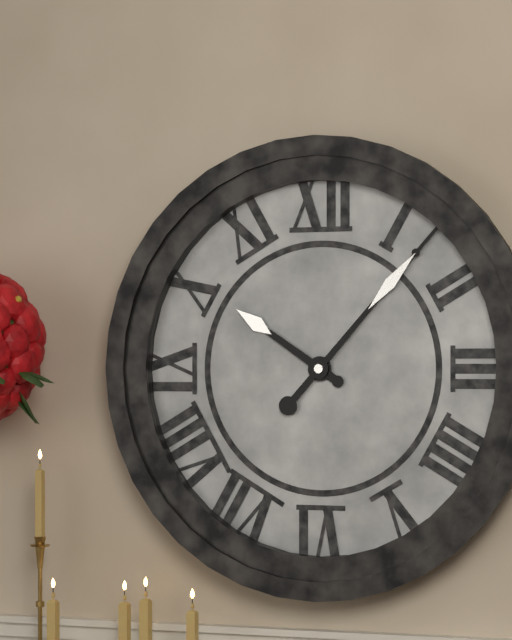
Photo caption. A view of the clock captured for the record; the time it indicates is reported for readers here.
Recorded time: 10:07
